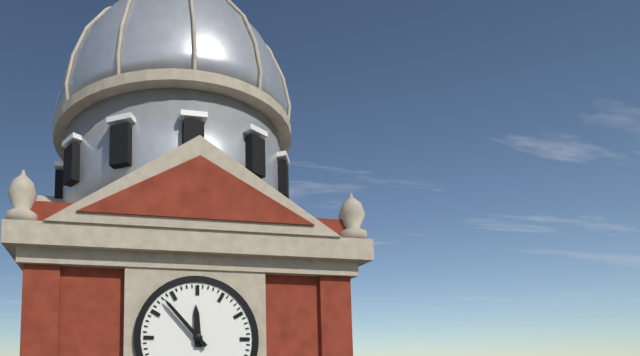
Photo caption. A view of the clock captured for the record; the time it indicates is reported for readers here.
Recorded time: 11:53
